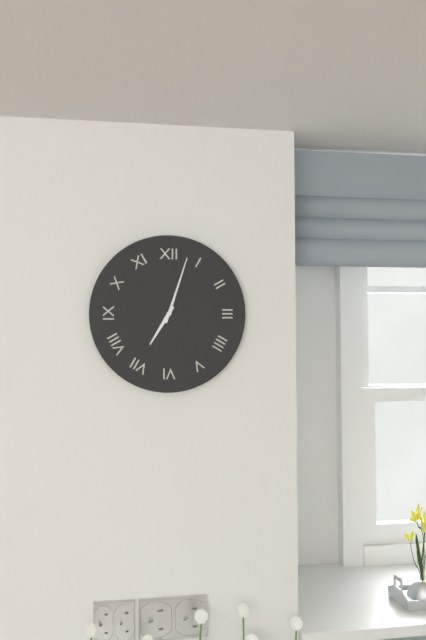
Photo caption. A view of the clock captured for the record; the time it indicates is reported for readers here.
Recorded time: 7:03
